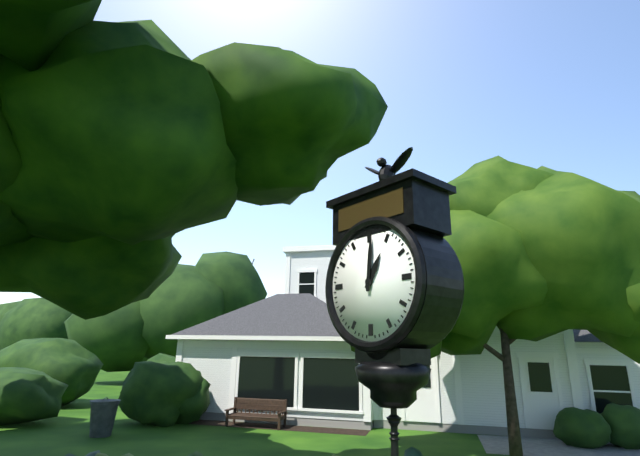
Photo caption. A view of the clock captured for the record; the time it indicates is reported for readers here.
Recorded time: 1:01
